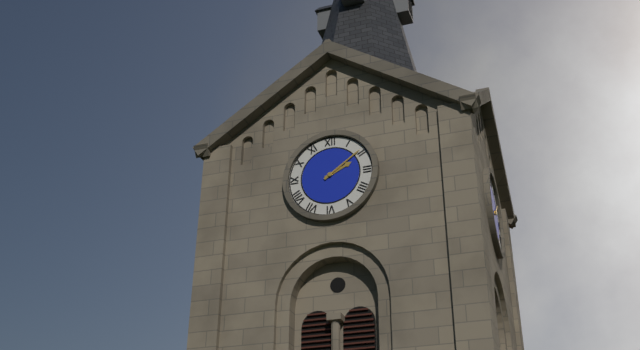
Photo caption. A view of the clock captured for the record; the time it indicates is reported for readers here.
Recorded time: 2:09
